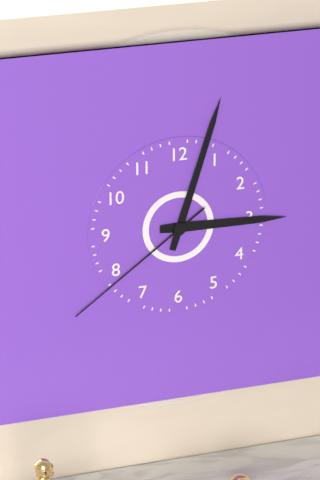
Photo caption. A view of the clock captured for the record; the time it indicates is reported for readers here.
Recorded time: 3:03:39
